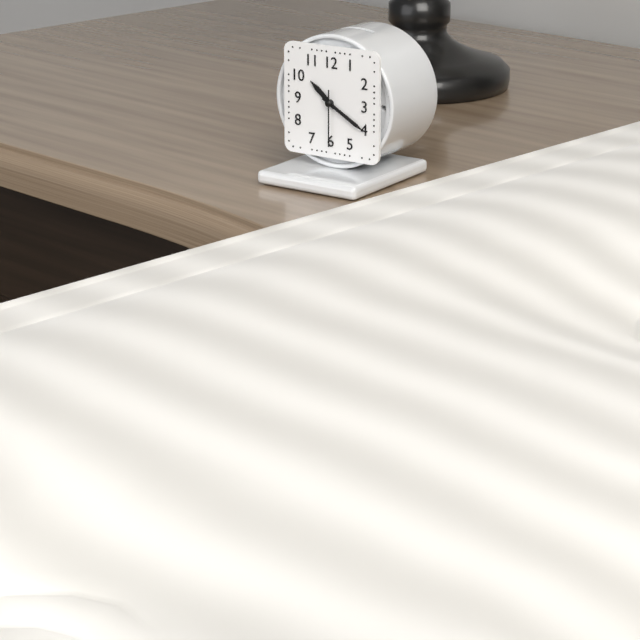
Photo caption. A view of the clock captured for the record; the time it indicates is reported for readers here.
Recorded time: 10:20:30
